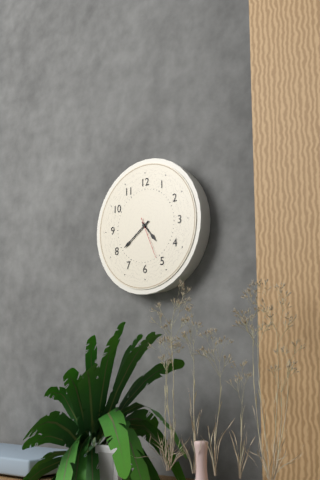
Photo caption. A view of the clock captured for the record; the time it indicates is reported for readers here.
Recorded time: 4:39
